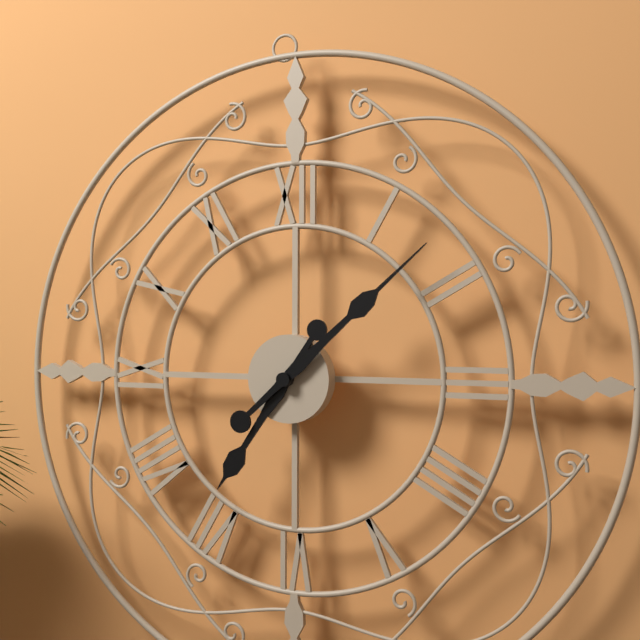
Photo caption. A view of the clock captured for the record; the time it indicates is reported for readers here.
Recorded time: 7:08
